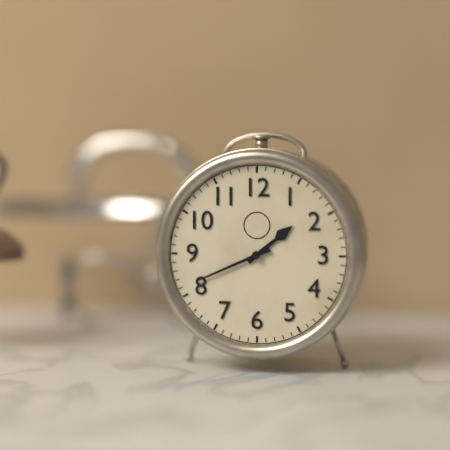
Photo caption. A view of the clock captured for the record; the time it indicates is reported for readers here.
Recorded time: 1:41
